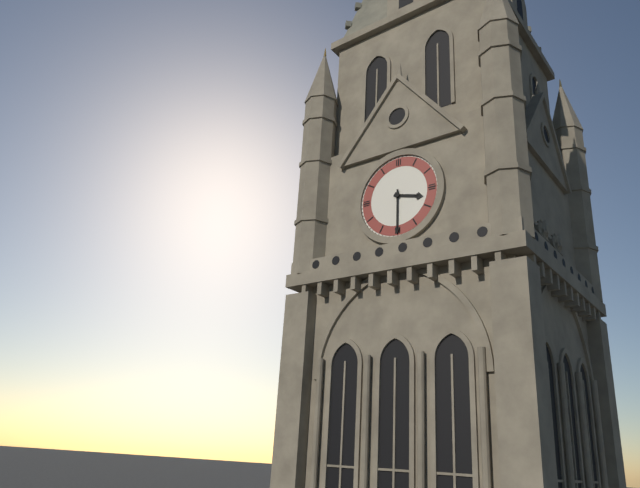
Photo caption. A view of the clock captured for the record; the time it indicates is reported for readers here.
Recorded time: 3:30
